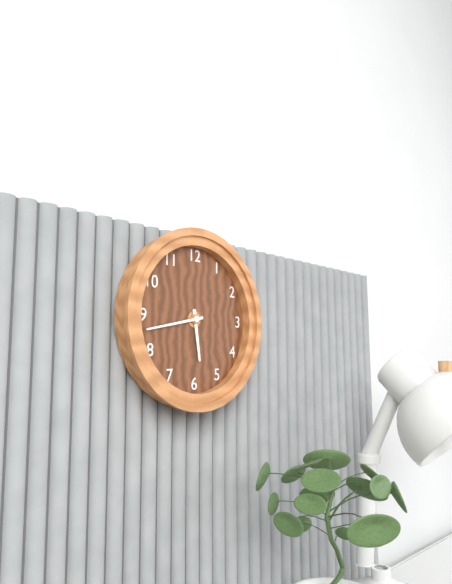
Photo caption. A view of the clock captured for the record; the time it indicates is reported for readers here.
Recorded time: 5:43
